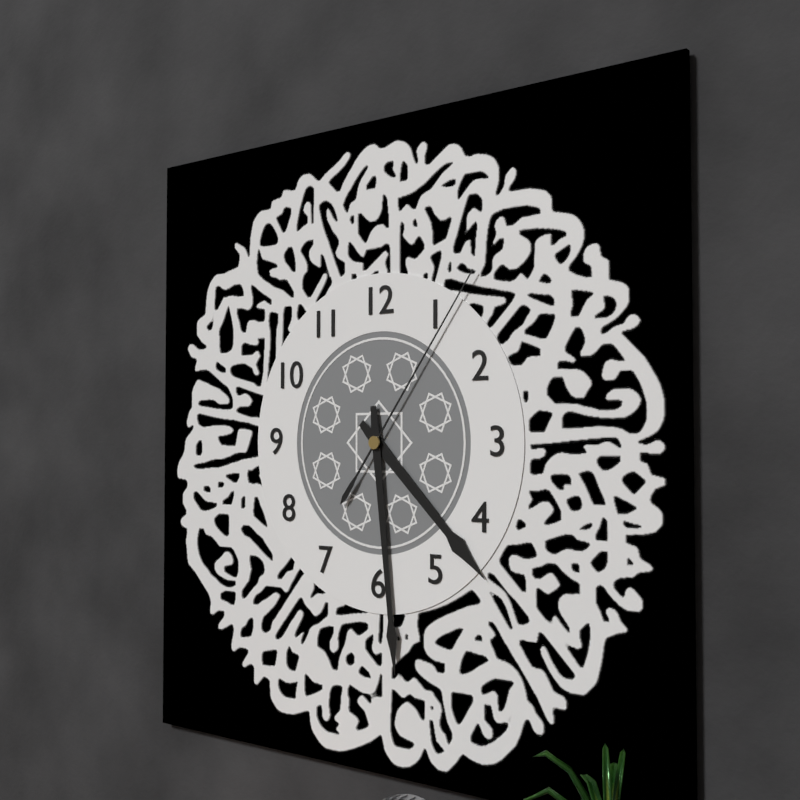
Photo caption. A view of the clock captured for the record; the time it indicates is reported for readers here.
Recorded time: 4:29:06
